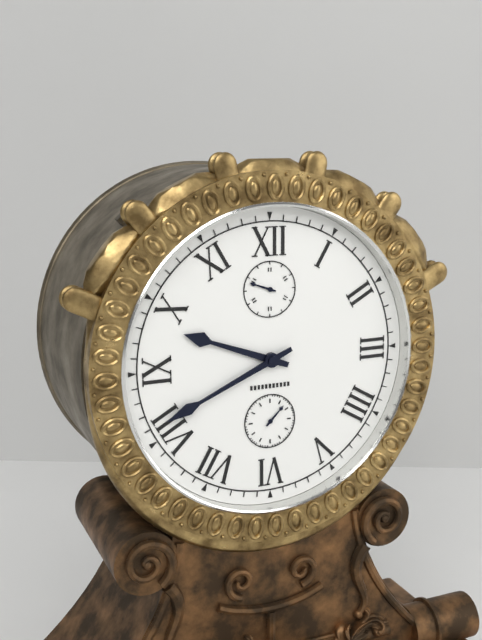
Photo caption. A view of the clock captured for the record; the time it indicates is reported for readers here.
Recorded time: 9:41
